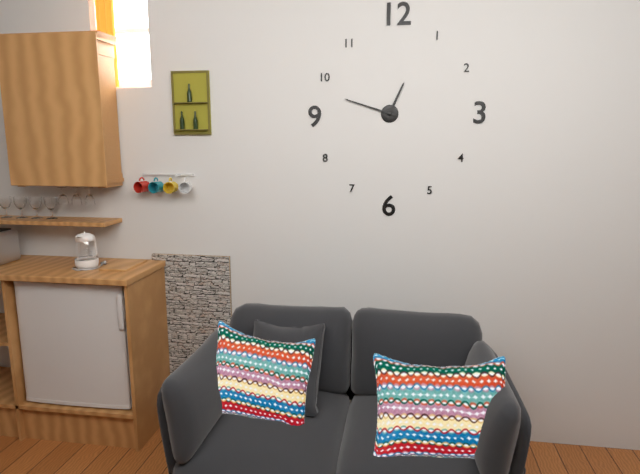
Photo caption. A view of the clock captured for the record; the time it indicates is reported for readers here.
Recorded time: 12:48
